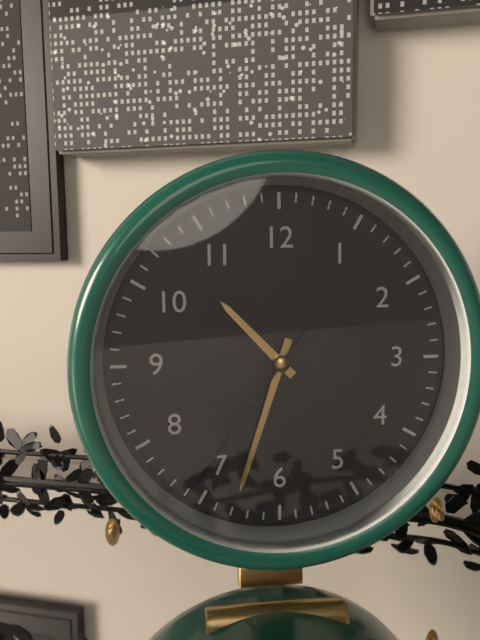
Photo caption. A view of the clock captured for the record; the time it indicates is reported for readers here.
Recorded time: 10:33:36
